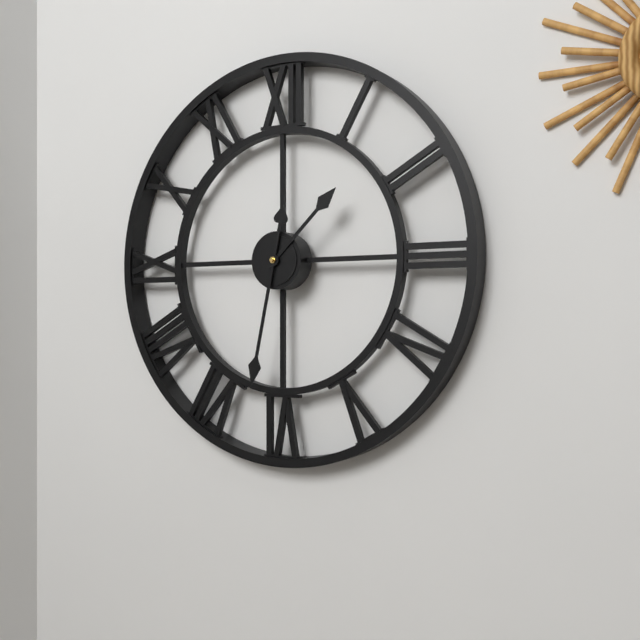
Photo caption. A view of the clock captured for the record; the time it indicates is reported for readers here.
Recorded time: 1:32
